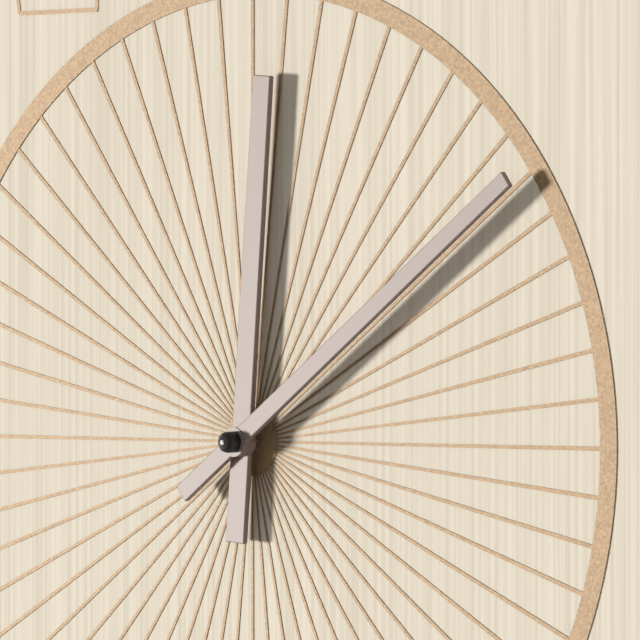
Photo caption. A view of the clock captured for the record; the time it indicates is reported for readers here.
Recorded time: 12:09
